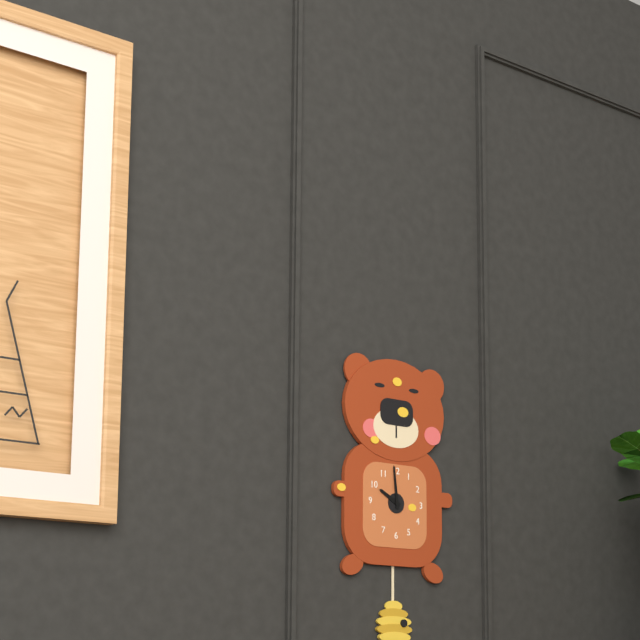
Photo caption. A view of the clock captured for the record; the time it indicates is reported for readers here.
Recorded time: 9:59
